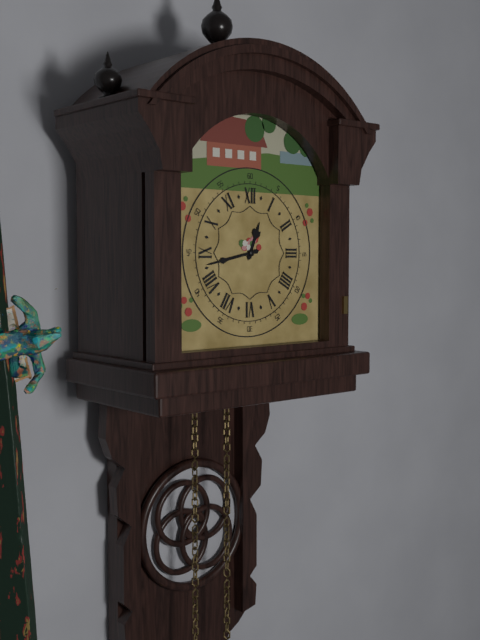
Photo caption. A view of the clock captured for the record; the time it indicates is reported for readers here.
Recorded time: 12:43
